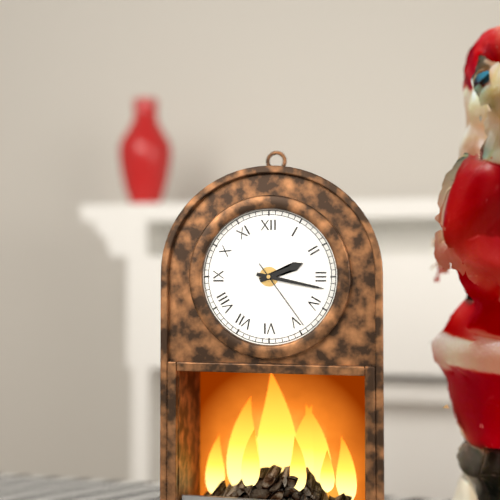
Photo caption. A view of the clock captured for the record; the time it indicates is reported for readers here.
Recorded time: 2:17:24
